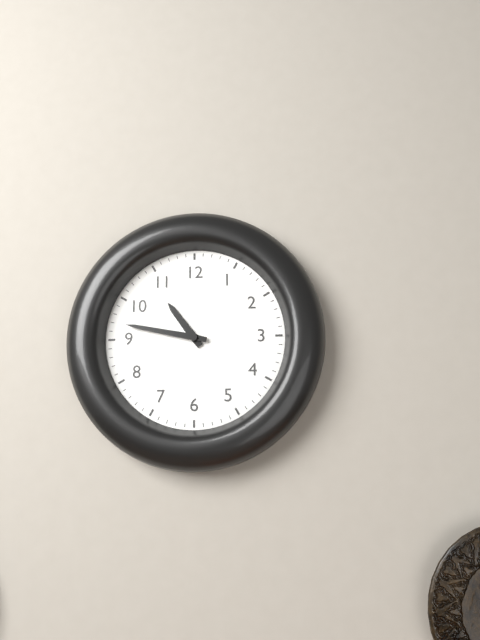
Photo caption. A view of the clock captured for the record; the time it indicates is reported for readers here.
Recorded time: 10:47
